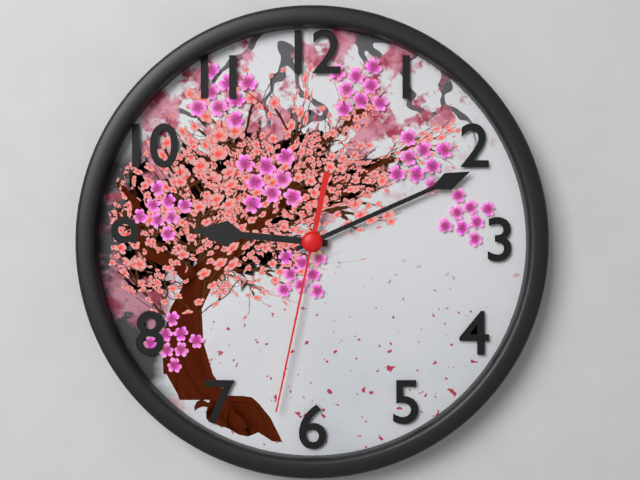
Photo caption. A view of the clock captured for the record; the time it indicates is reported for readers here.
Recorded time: 9:11:32
